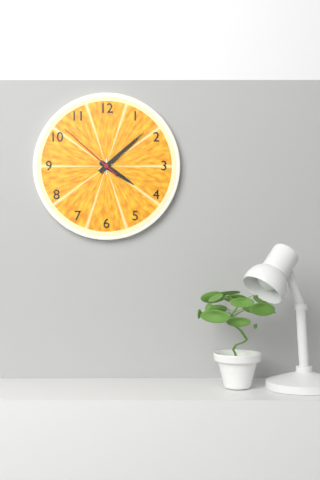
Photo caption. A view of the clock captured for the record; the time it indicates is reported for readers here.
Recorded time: 4:08:52
